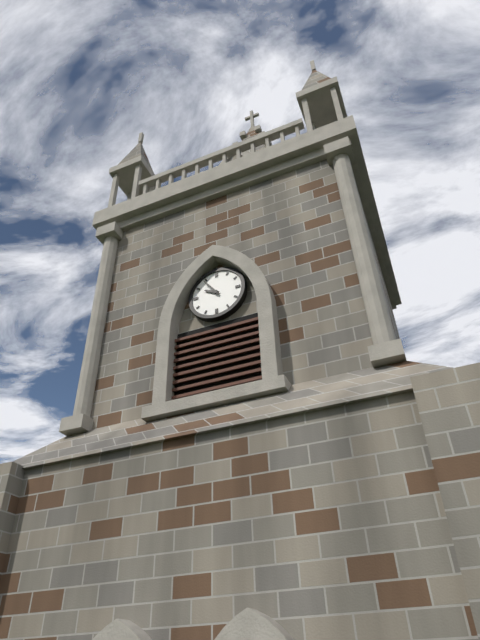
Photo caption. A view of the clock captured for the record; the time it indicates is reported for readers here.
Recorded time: 9:54
